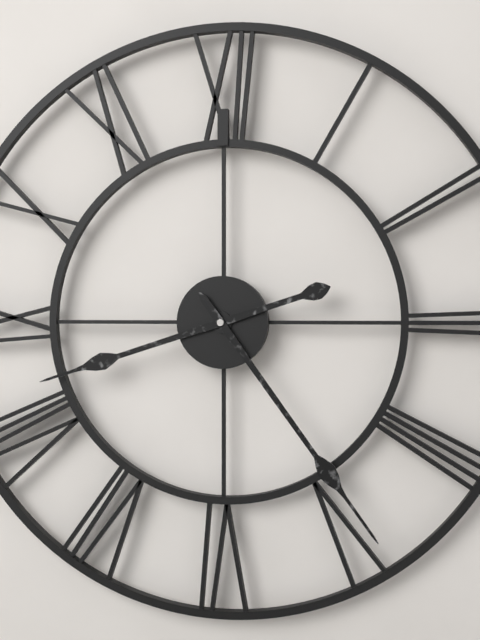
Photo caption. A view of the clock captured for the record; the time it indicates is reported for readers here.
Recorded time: 8:24
